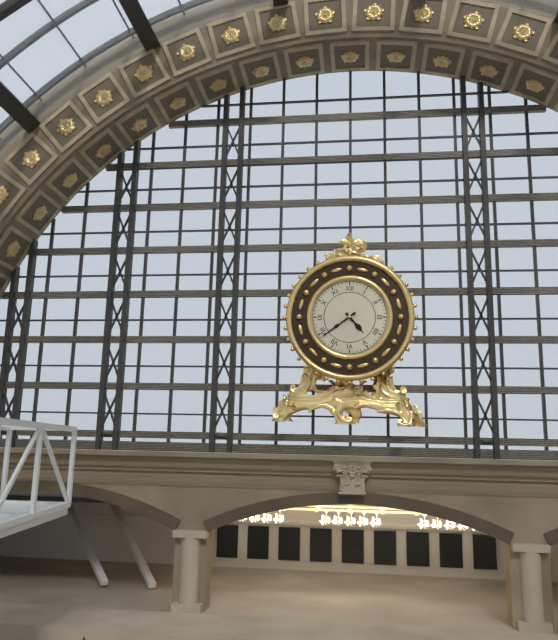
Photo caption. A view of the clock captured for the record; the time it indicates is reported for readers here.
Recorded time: 4:39
